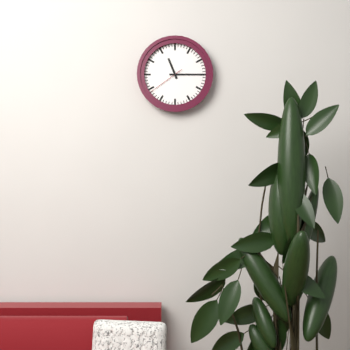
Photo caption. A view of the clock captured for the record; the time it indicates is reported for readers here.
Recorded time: 11:15
